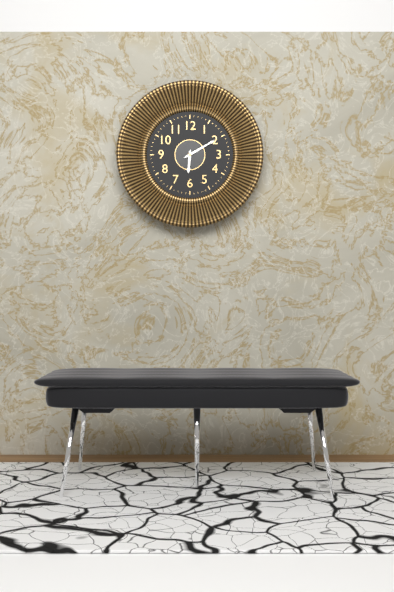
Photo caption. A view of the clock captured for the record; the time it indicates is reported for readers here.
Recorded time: 6:10
